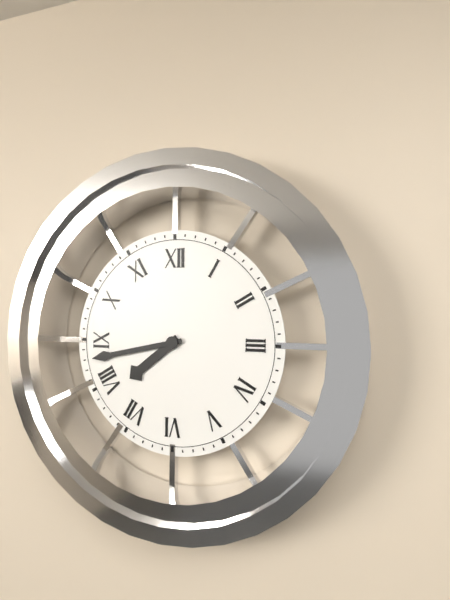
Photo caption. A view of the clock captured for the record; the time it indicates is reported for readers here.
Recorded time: 7:43
